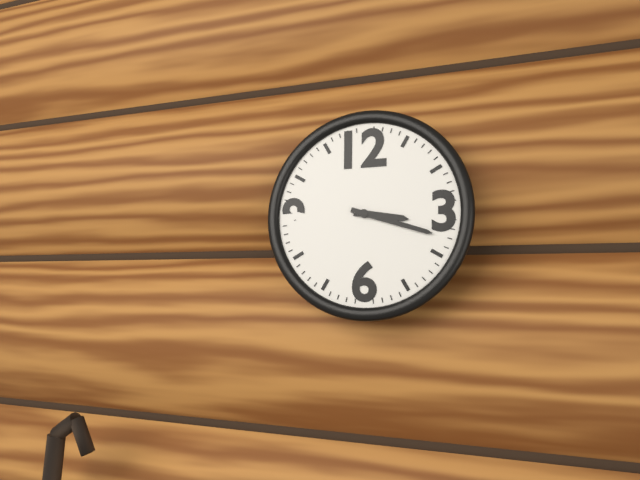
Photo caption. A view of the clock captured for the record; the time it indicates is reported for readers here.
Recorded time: 3:18
